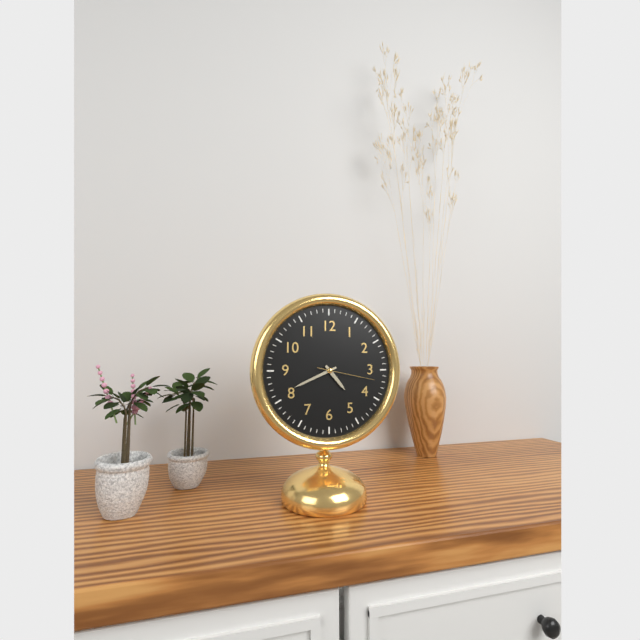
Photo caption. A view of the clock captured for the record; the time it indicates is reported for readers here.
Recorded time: 4:41:17
